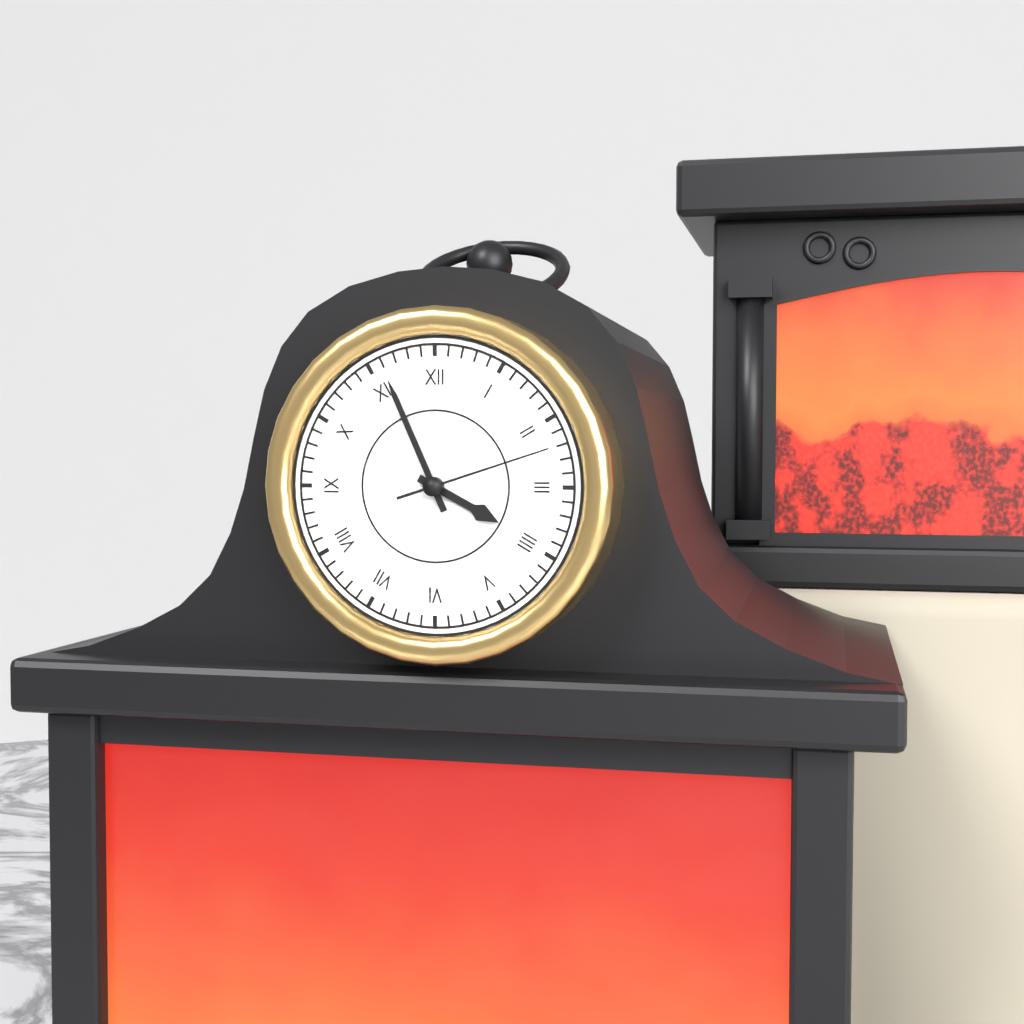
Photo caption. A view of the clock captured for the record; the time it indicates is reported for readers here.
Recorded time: 3:56:12
